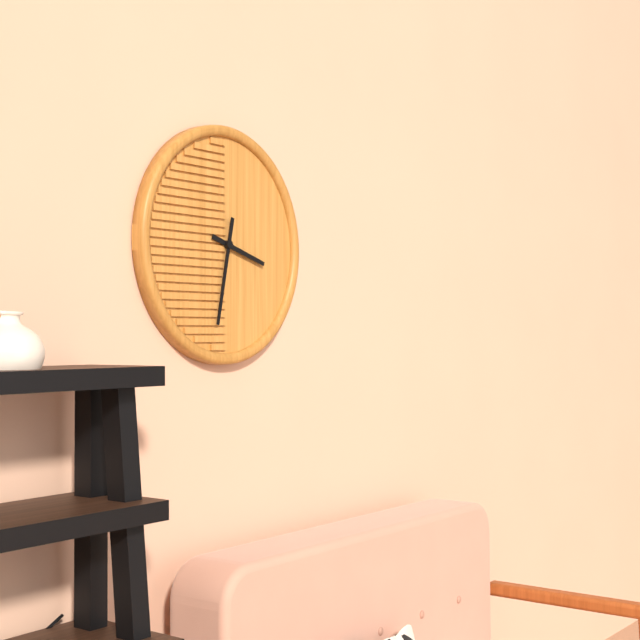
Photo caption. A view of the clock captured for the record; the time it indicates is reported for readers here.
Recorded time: 3:32
